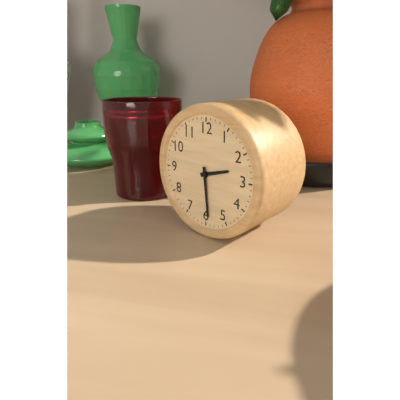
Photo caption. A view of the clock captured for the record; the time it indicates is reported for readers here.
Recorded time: 2:29
